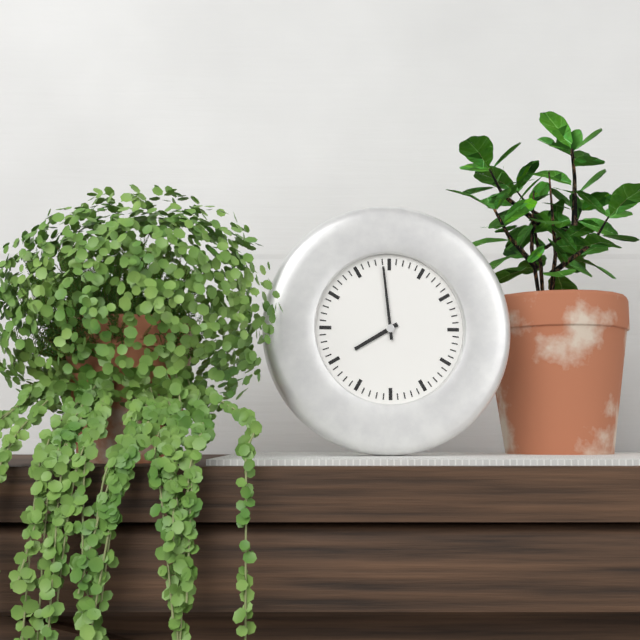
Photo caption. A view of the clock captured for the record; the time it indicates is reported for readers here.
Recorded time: 7:59
